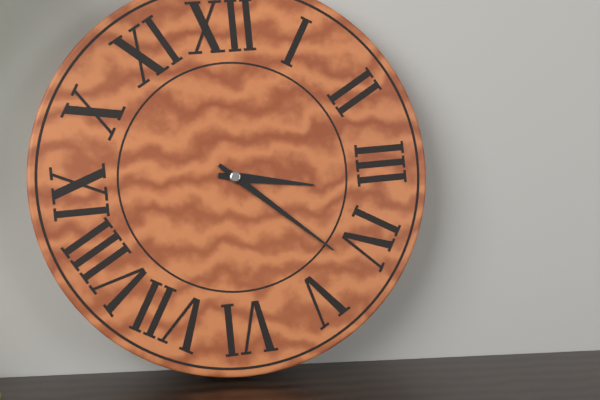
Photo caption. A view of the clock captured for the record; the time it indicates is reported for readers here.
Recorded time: 3:22
